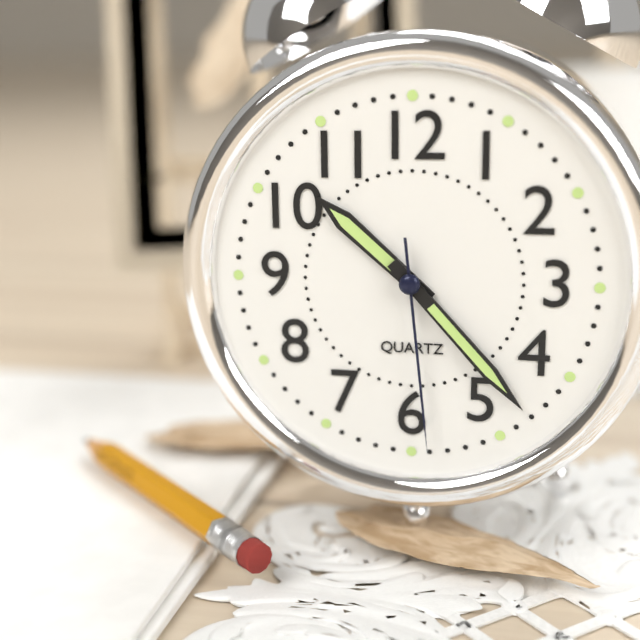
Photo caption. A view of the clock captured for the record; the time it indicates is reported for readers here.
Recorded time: 10:23:29
